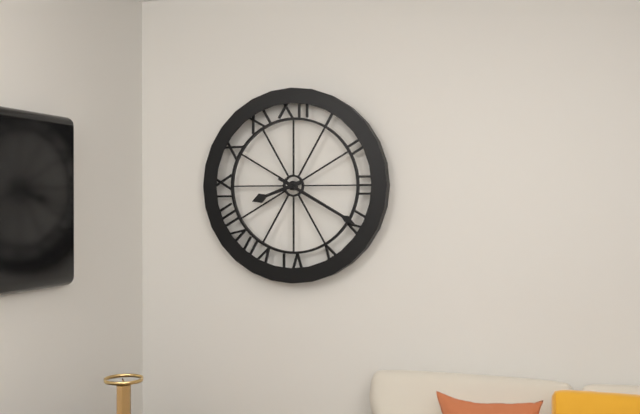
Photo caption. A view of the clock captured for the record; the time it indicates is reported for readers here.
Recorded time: 8:20
